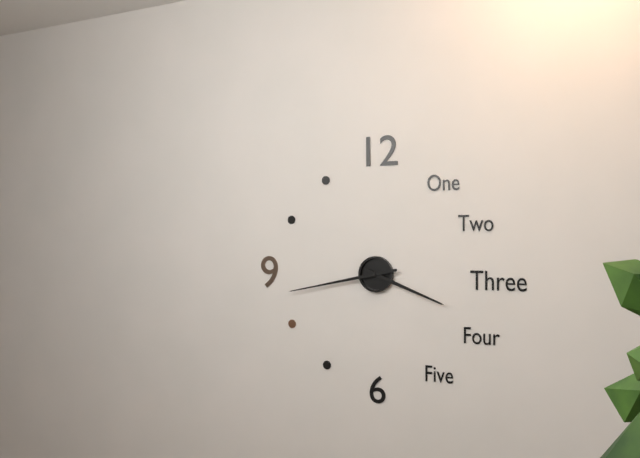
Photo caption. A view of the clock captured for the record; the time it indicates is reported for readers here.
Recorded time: 3:43
